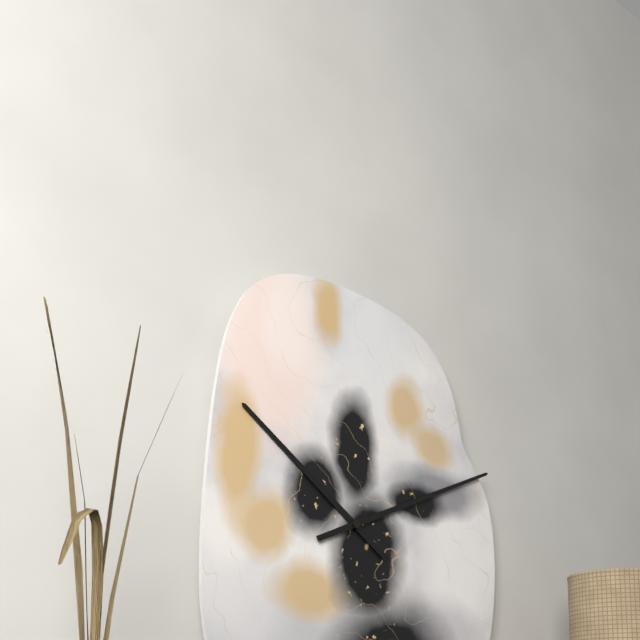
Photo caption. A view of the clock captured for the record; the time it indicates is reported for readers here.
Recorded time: 10:11
